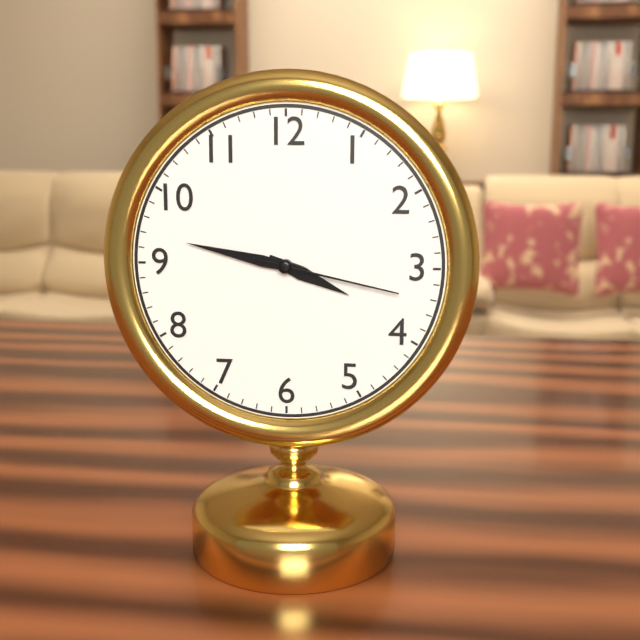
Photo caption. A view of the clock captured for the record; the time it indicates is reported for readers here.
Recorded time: 3:47:17
